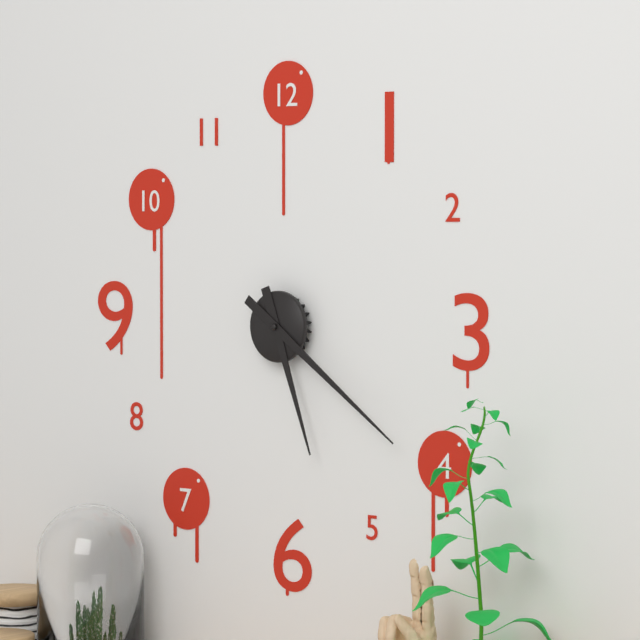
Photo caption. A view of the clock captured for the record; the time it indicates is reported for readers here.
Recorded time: 5:21
